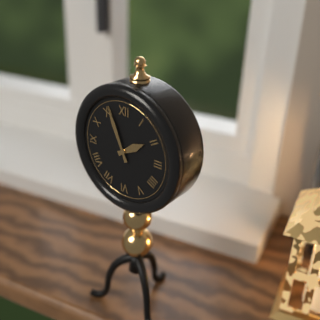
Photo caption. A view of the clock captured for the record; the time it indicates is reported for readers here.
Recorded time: 1:56
